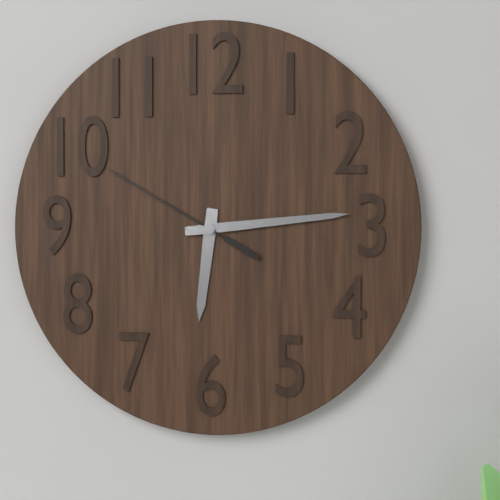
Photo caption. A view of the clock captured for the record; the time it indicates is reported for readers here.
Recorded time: 6:14:50
